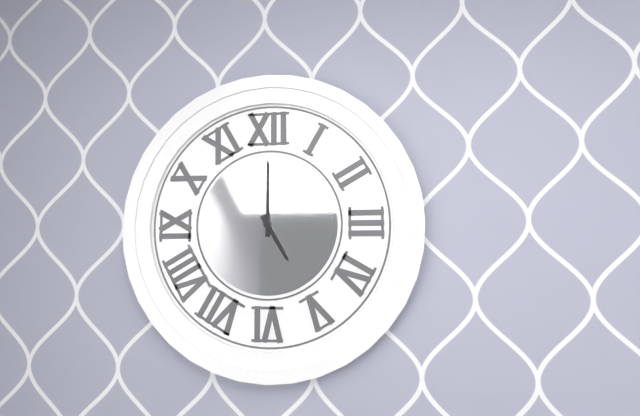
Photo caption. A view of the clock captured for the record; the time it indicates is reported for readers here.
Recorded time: 5:00
